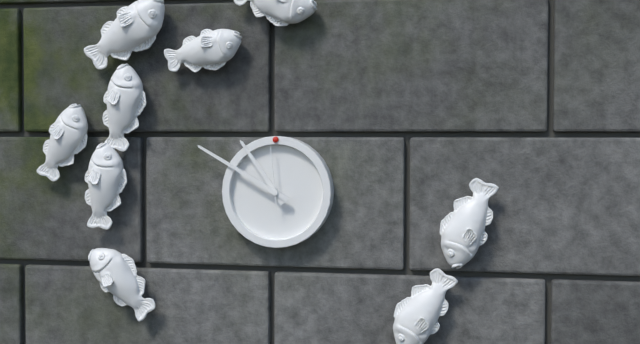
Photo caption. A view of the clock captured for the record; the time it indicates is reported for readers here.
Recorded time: 10:50:59
